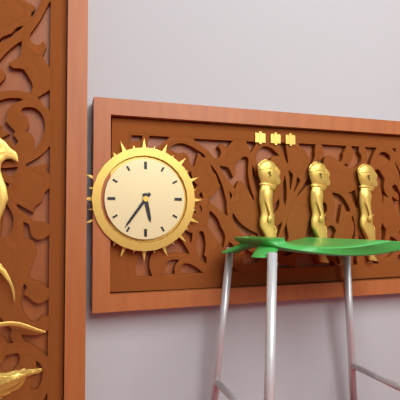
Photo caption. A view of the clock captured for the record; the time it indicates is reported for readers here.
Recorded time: 5:36
